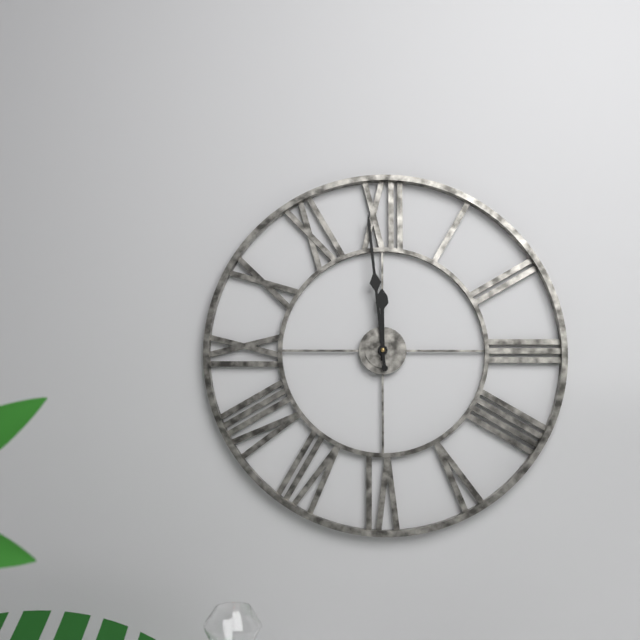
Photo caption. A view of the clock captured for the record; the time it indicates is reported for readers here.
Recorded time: 11:59
